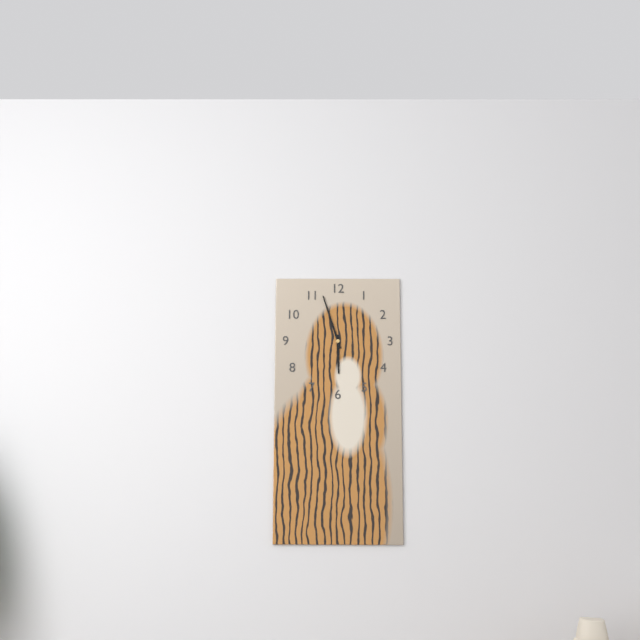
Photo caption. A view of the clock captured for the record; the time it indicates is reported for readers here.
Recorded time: 5:57
